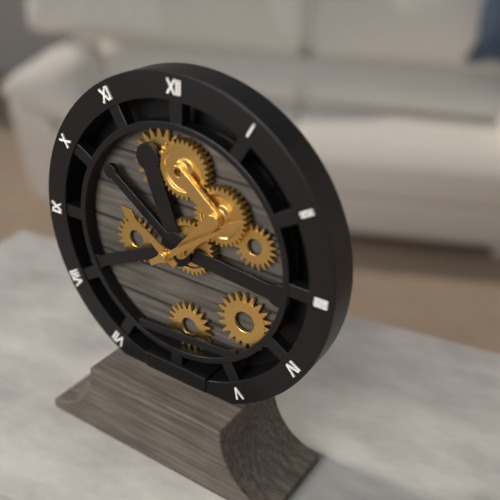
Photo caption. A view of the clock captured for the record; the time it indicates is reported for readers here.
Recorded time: 10:09
